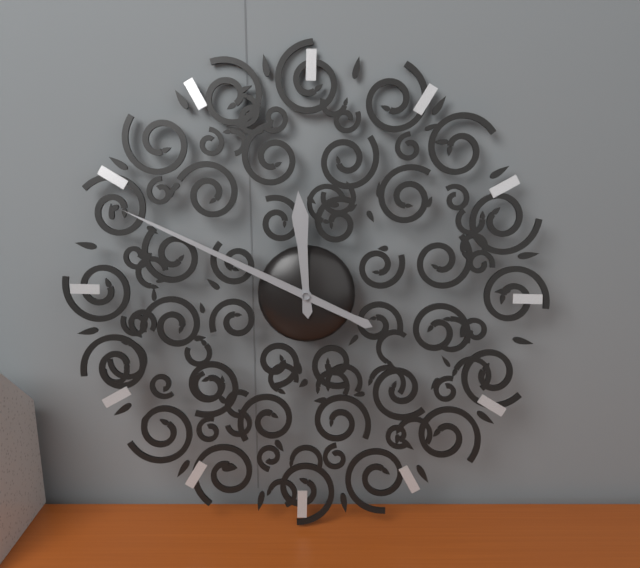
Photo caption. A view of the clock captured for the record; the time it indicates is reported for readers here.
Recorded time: 11:49
